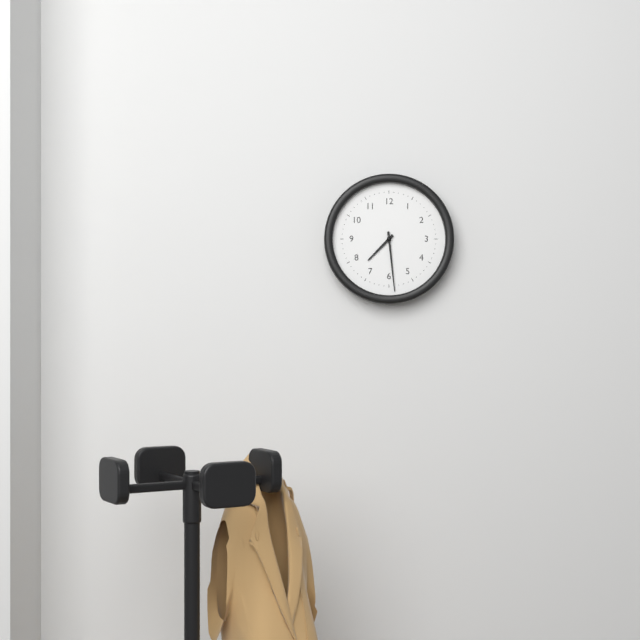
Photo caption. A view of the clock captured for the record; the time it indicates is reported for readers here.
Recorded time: 7:29
